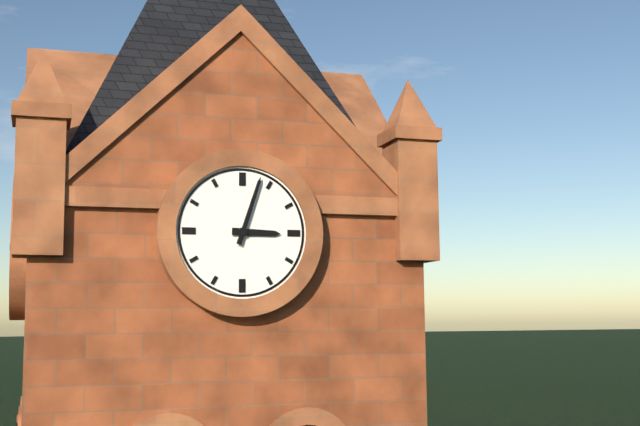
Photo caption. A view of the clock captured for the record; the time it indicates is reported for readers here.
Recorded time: 3:03
